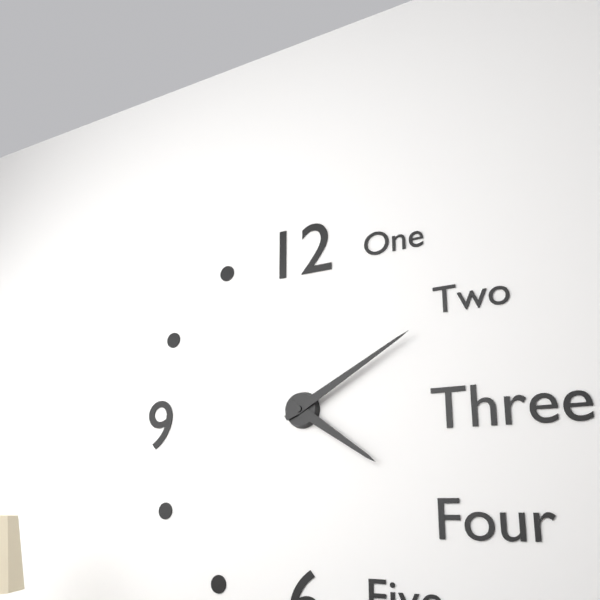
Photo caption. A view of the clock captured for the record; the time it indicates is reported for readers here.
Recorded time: 4:10
